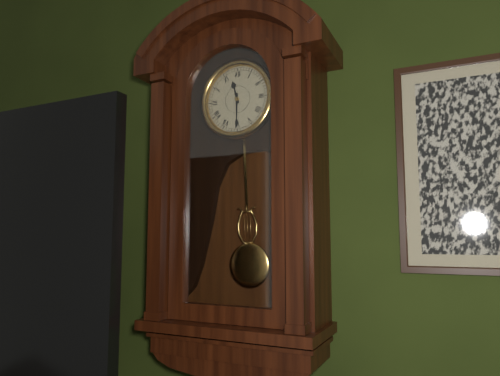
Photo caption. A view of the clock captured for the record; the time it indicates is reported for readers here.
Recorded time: 11:30
